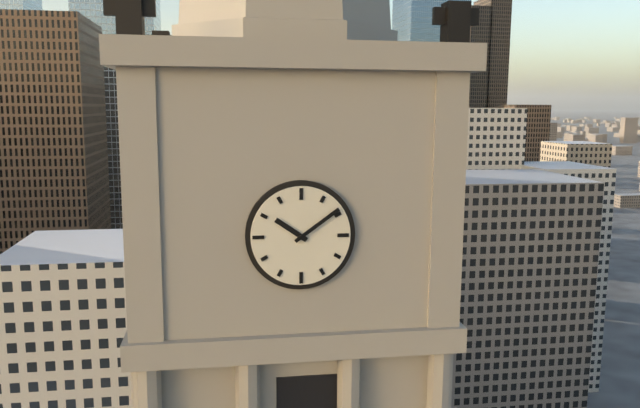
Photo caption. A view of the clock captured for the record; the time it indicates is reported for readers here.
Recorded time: 10:09
